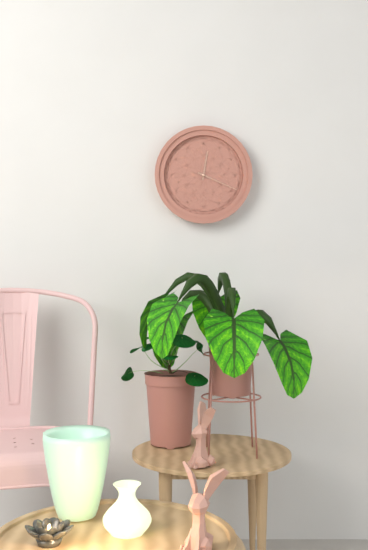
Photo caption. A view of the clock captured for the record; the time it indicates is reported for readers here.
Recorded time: 12:19
